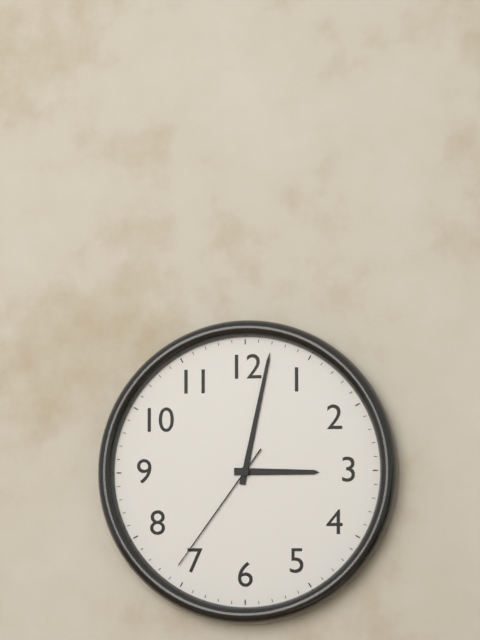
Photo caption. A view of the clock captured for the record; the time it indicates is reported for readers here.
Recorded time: 3:02:36
